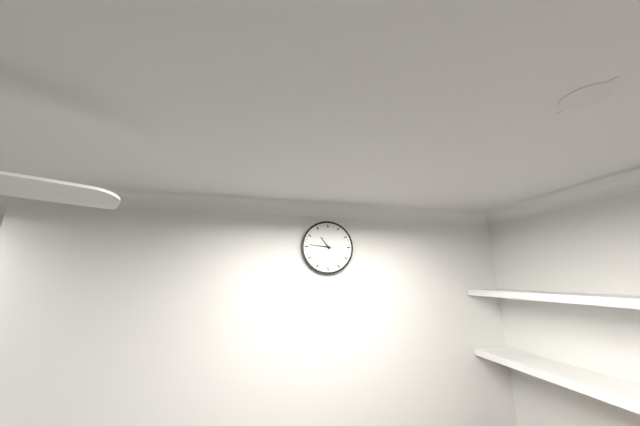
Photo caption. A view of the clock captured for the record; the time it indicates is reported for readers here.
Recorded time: 10:46
